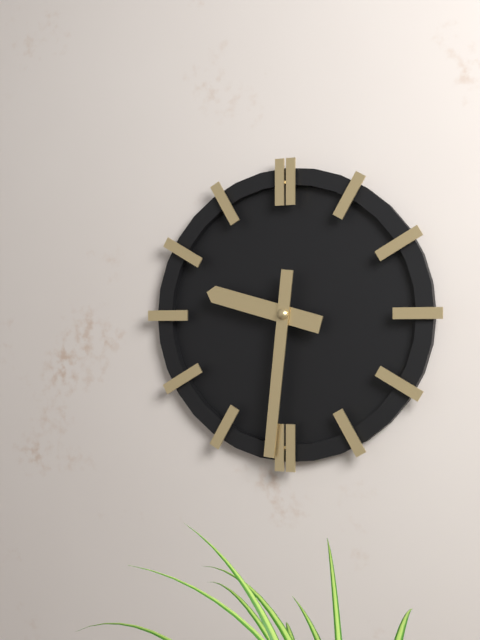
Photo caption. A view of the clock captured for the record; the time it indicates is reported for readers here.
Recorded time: 9:31
